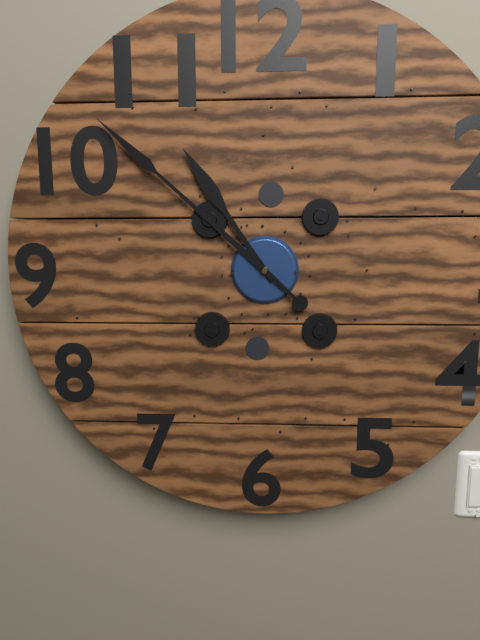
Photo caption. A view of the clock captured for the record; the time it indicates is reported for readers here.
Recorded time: 10:52
